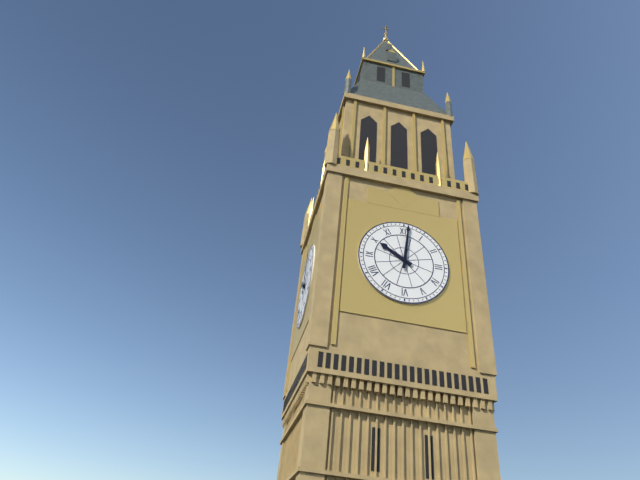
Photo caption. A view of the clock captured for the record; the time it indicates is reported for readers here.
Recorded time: 10:01
